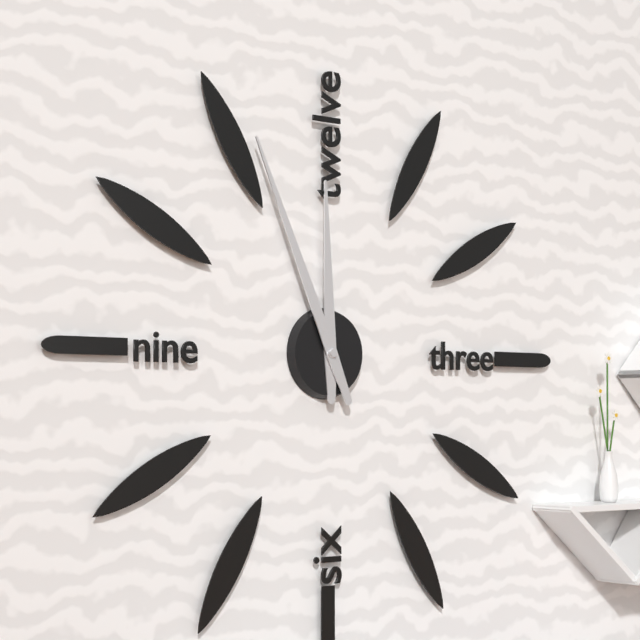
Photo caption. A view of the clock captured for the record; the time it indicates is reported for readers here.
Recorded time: 11:56
